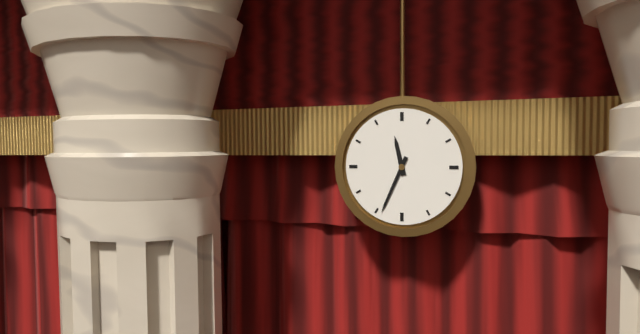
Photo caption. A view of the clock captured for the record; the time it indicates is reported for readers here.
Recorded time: 11:34
